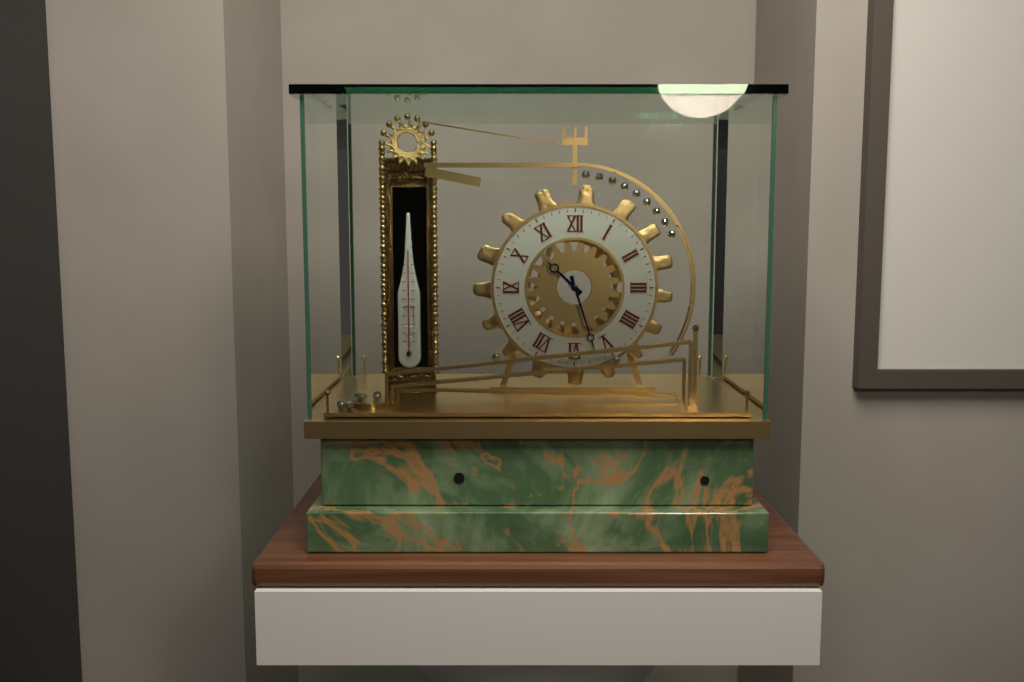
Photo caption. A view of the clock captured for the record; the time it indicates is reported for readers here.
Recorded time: 10:27
